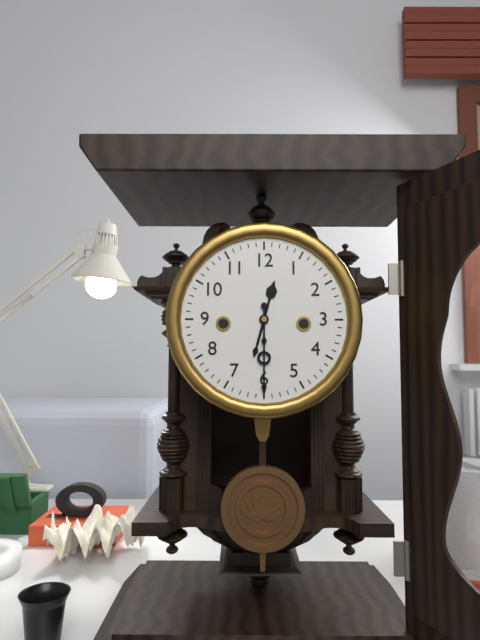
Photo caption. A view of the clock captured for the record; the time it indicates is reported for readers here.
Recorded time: 12:30
